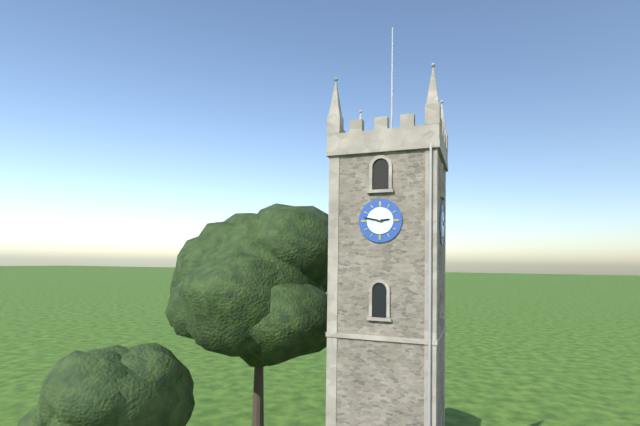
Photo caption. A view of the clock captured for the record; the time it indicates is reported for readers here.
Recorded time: 2:47
